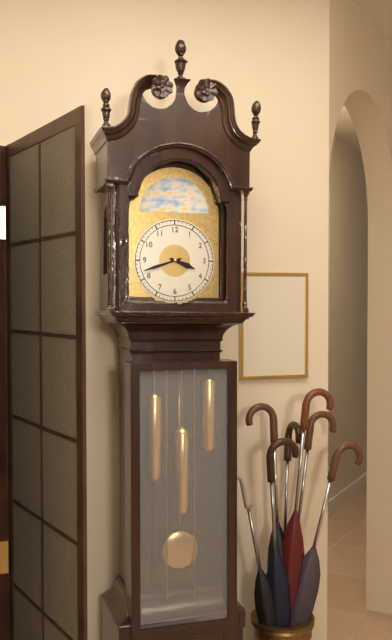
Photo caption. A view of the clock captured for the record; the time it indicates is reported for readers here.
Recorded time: 3:42
